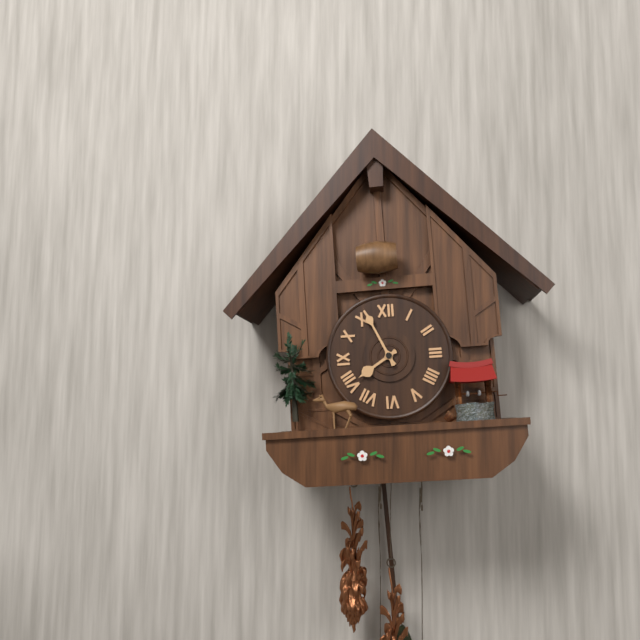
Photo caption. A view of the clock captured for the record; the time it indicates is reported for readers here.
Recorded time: 7:56
